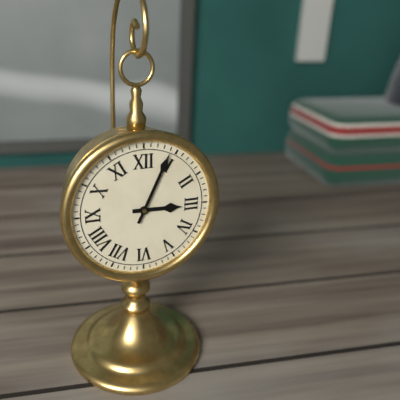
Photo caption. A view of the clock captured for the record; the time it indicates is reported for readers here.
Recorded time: 3:04
